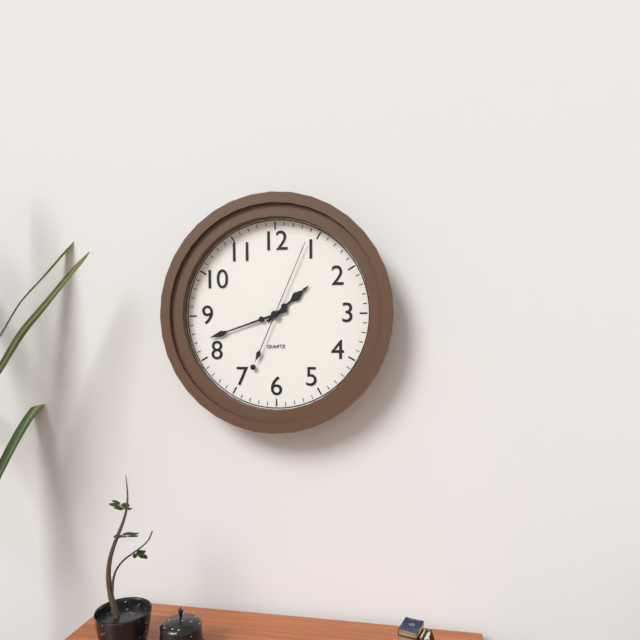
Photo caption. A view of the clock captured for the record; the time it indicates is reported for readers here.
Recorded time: 1:42:04
